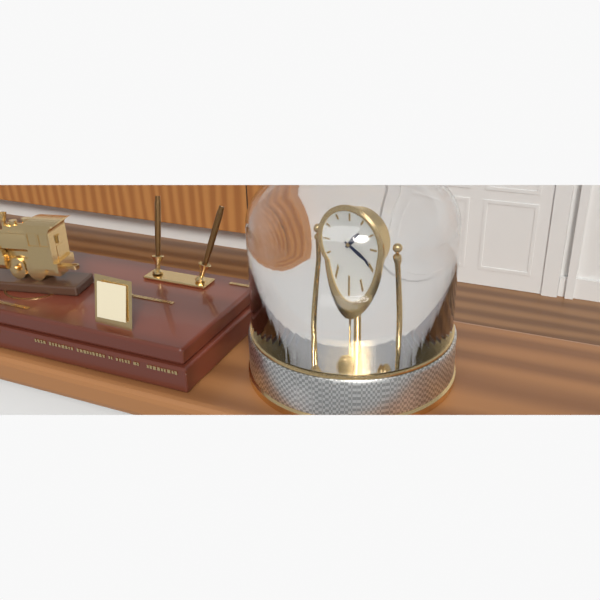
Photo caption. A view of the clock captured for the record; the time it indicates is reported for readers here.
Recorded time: 1:20
